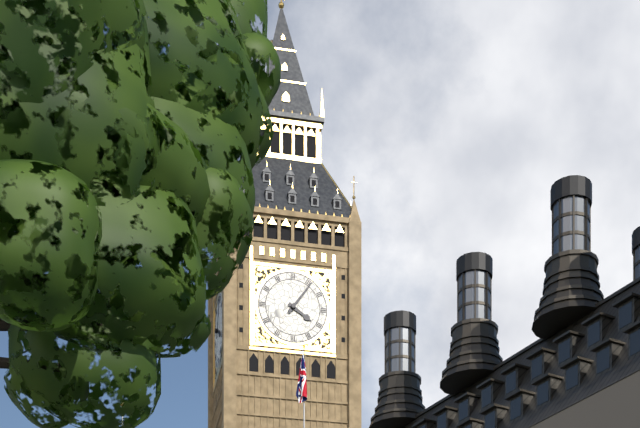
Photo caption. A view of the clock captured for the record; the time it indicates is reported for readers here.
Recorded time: 4:06
